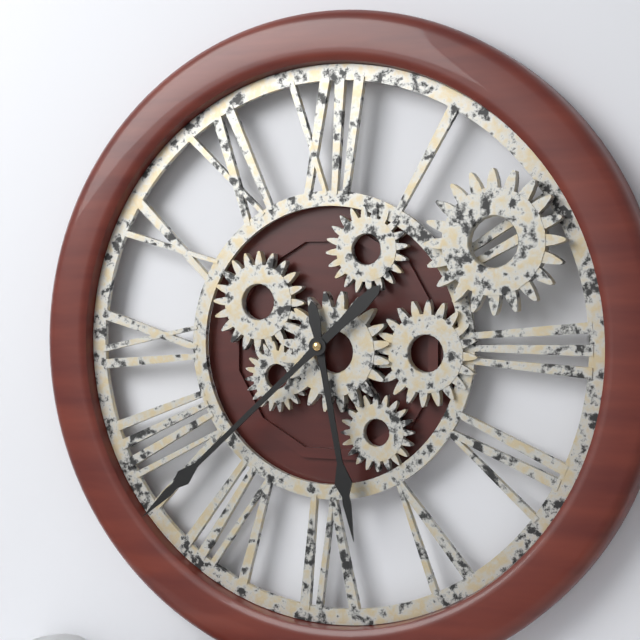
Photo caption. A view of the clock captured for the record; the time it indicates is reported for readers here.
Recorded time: 5:38
